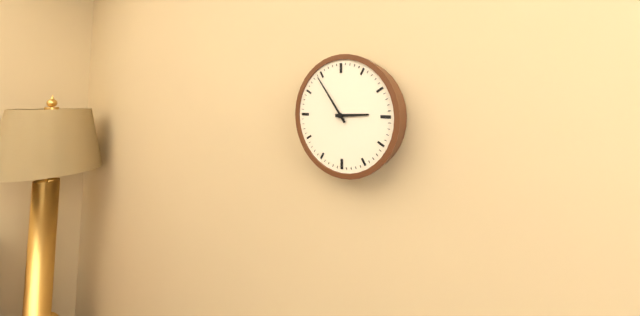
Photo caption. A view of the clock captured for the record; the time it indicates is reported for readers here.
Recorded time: 2:54
